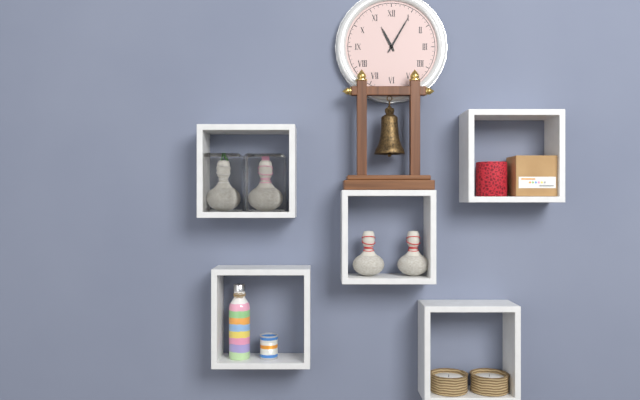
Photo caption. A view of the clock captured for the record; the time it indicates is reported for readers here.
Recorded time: 11:05
